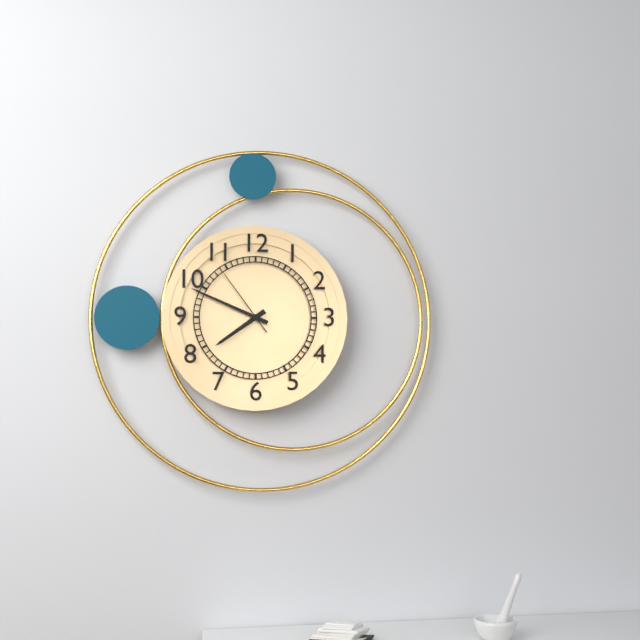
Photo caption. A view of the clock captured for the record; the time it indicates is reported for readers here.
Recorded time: 7:49:54
